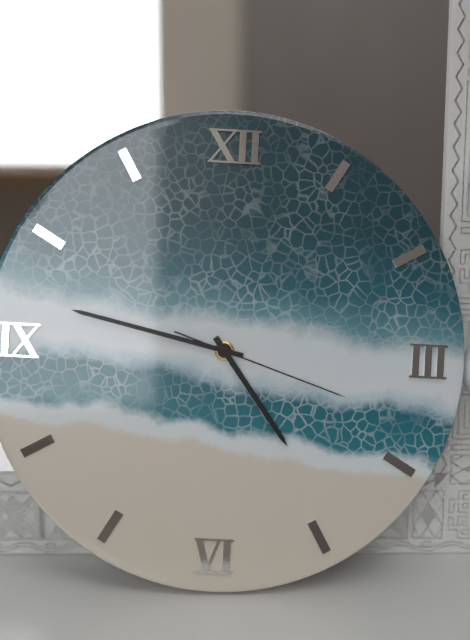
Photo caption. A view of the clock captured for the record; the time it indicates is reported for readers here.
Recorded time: 4:47:18
